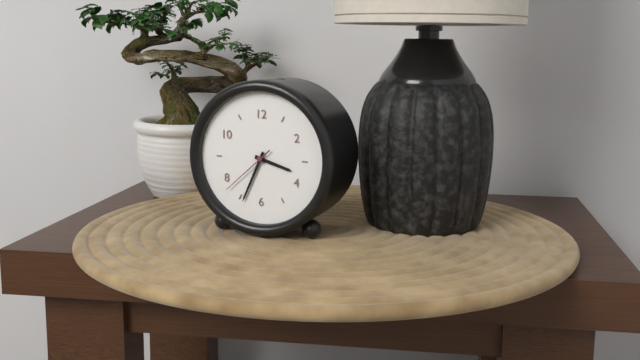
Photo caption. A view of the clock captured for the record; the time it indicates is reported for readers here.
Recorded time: 3:34:38
